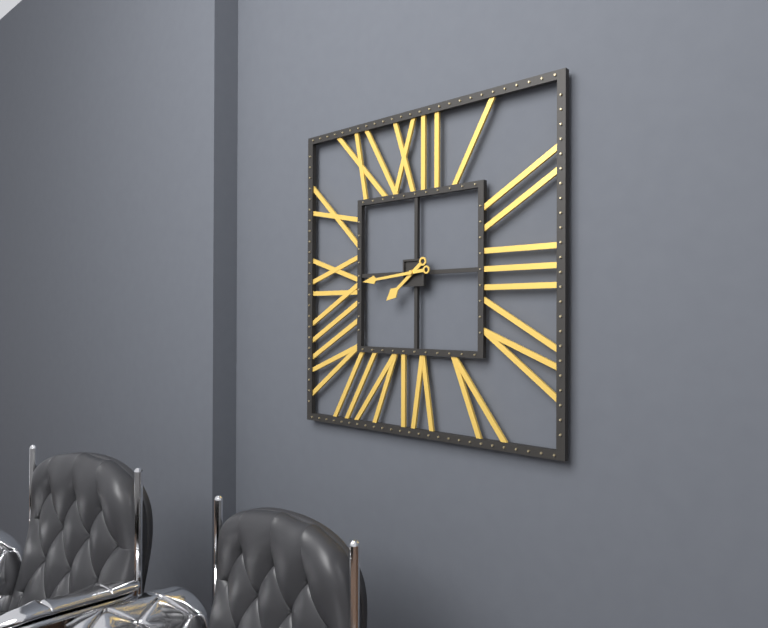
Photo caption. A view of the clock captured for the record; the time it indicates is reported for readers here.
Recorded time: 7:44
